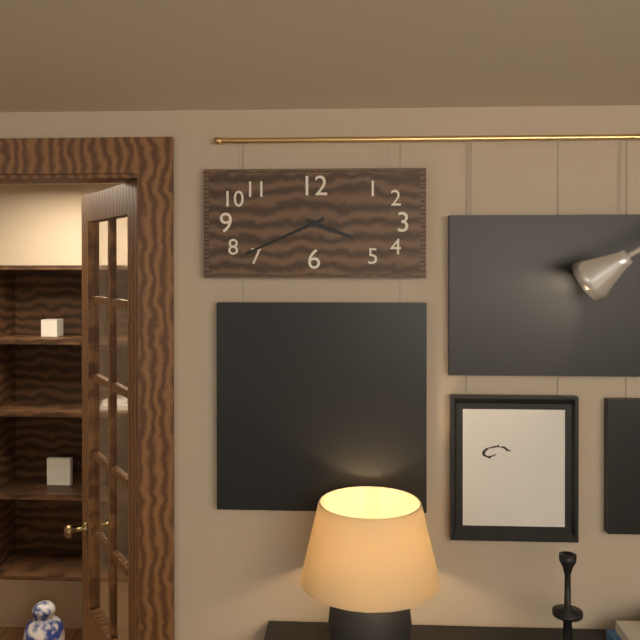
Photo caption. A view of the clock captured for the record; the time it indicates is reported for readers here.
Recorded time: 3:41
